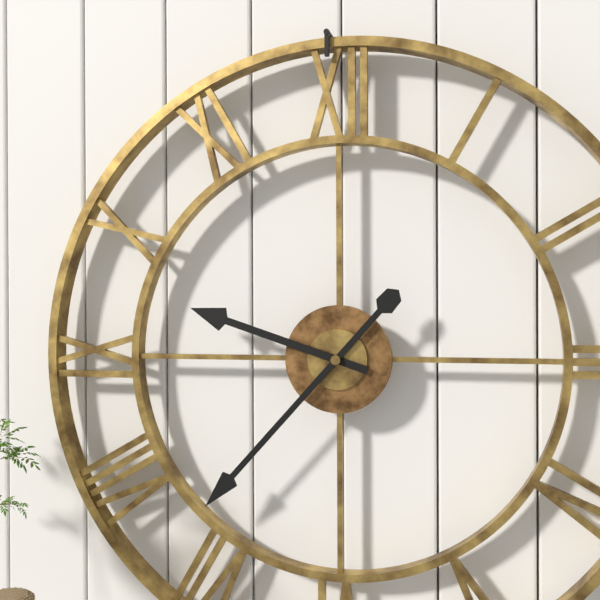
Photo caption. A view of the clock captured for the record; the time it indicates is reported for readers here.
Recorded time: 9:37
